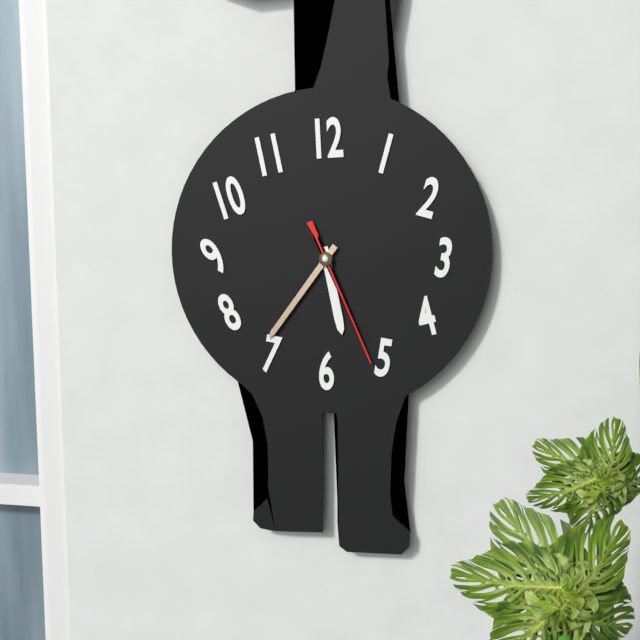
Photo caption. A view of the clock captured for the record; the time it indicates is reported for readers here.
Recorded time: 5:36:26
